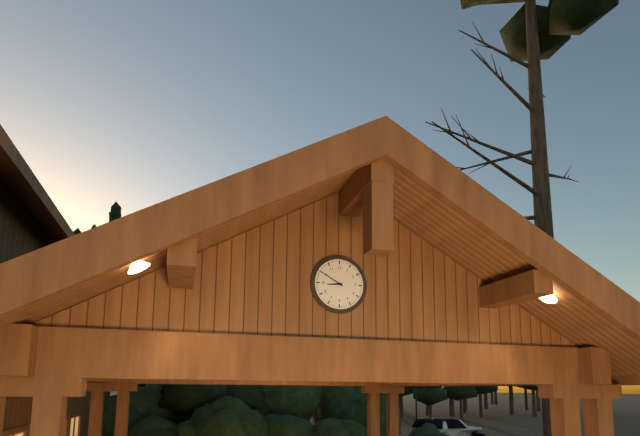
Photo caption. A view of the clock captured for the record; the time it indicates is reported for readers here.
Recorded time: 8:50
